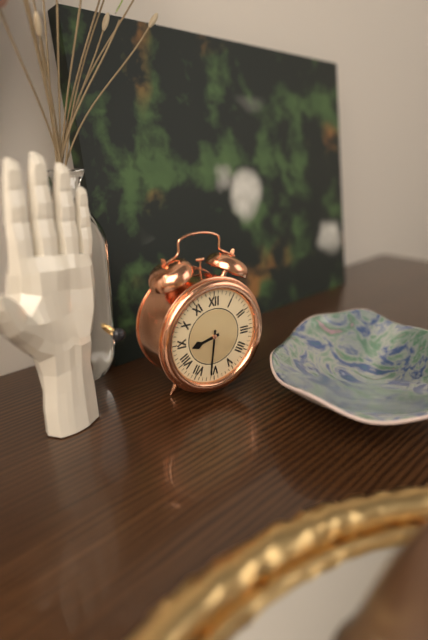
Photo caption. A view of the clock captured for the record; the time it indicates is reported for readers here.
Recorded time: 8:31
